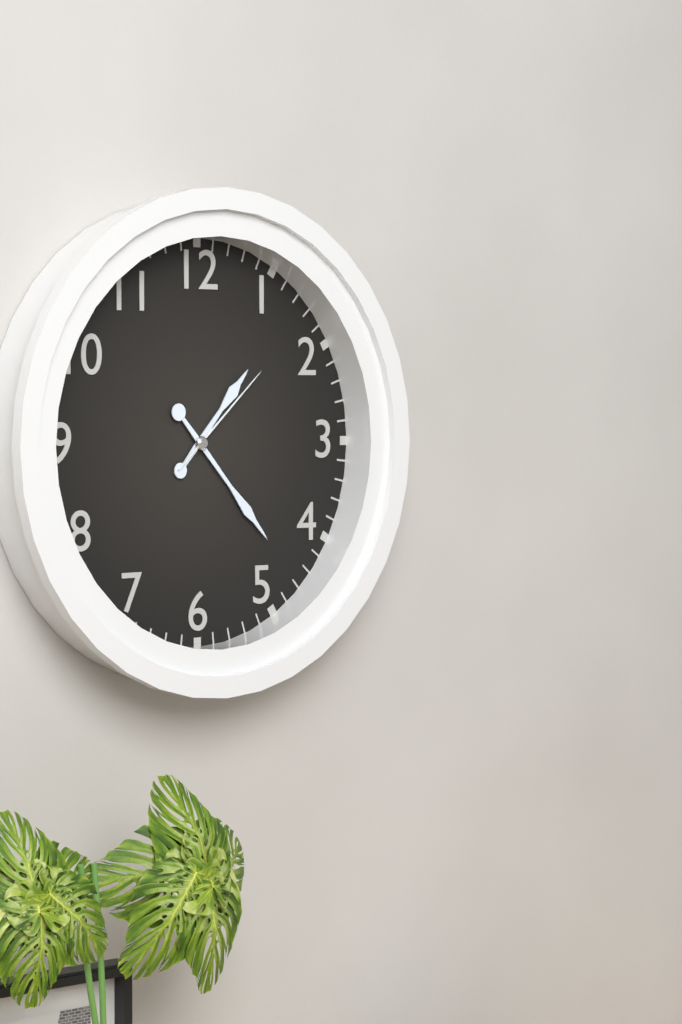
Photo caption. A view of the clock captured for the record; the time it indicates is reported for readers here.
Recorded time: 1:23:08
